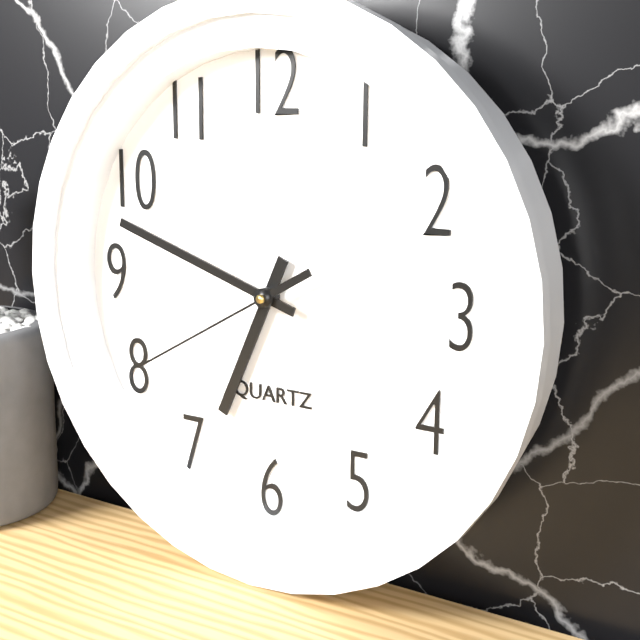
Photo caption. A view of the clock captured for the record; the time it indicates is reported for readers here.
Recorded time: 6:48:40
